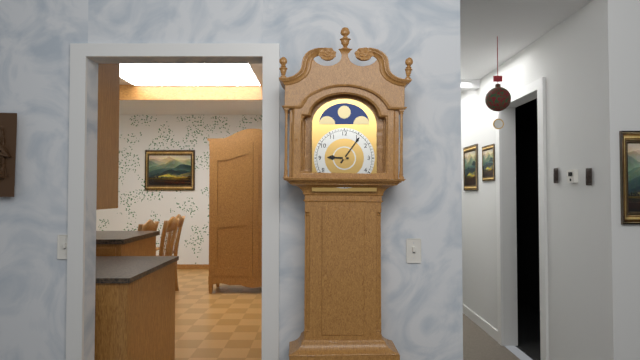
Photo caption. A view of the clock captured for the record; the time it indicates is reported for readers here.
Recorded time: 9:06
